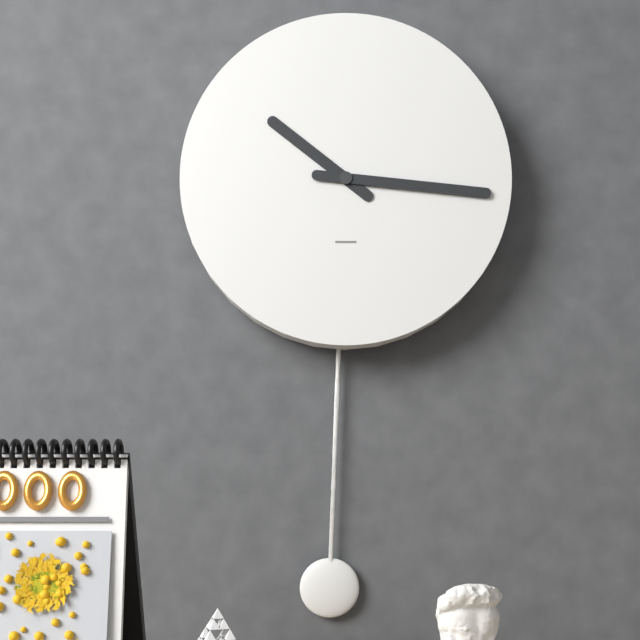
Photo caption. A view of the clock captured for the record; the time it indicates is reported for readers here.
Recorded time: 10:16
